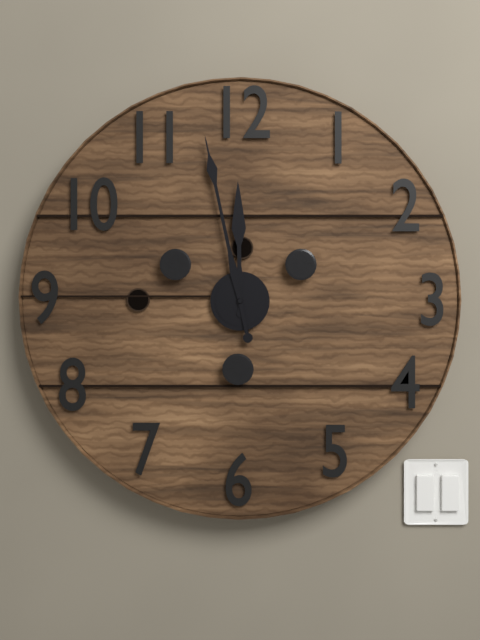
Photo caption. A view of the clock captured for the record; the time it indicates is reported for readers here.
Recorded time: 11:58
